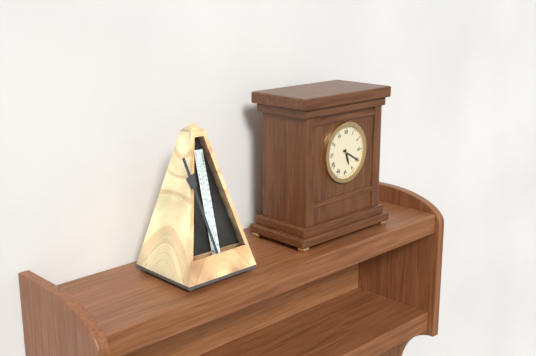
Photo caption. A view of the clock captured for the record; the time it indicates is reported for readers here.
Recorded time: 5:20
